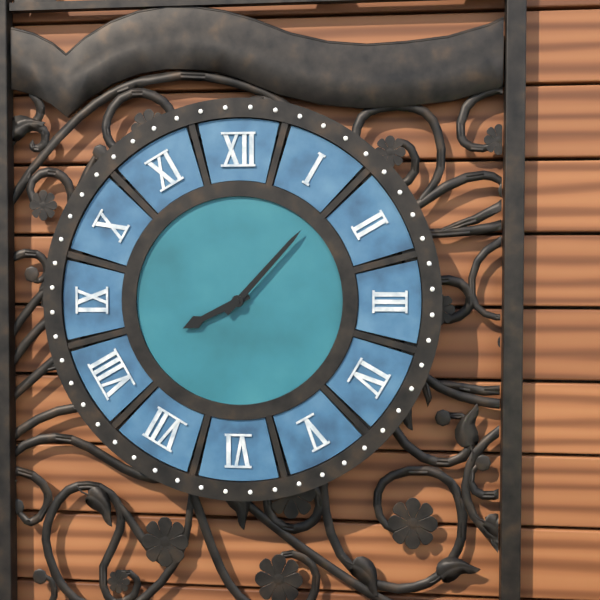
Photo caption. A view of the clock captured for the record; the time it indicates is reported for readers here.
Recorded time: 8:07
